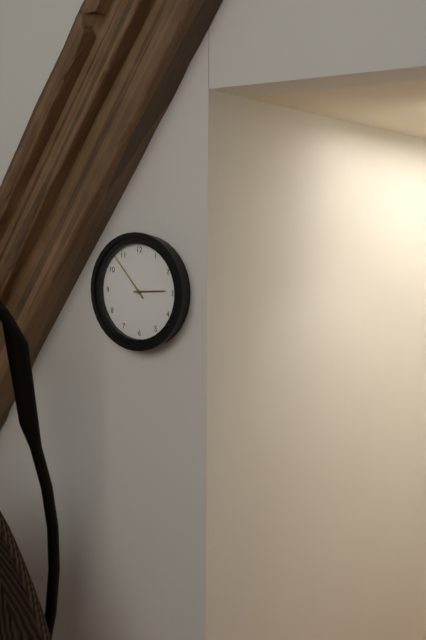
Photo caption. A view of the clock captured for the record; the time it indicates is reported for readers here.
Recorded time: 2:53
